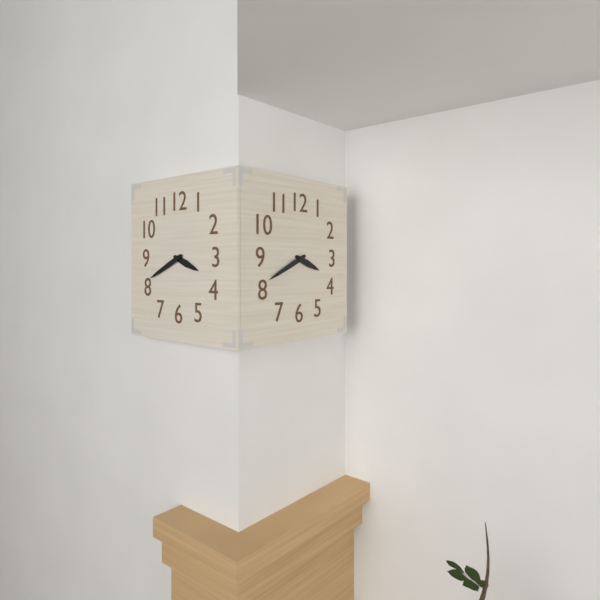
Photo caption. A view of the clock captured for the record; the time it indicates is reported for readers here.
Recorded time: 3:41
